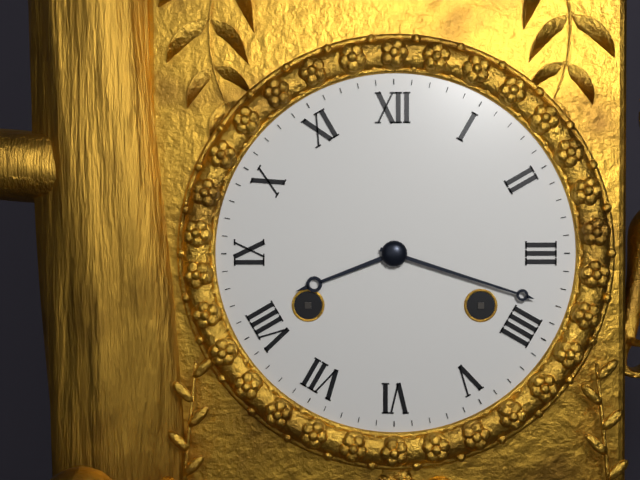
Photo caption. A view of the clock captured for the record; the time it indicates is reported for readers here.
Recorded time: 8:18
